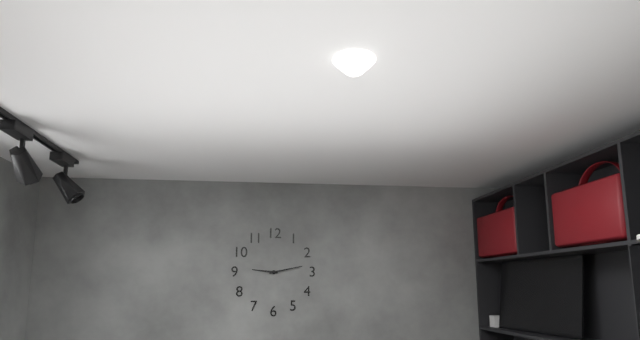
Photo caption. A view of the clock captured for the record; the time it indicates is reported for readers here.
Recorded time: 9:13
